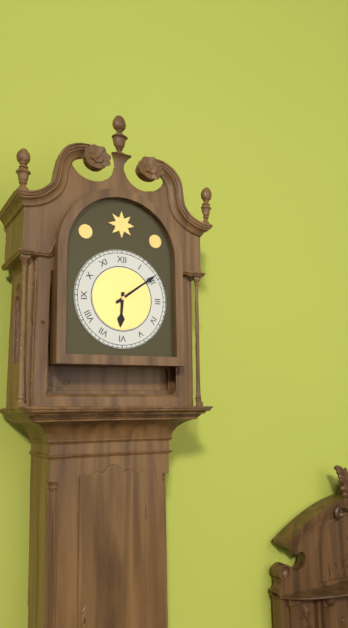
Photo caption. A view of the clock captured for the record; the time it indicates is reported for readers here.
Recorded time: 6:09
